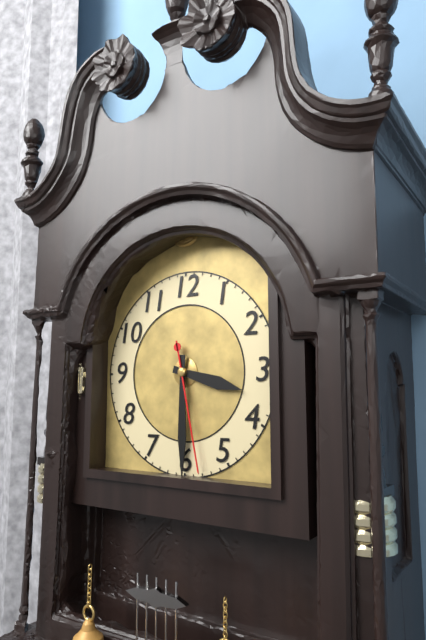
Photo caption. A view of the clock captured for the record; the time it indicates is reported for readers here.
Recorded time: 3:30:28
